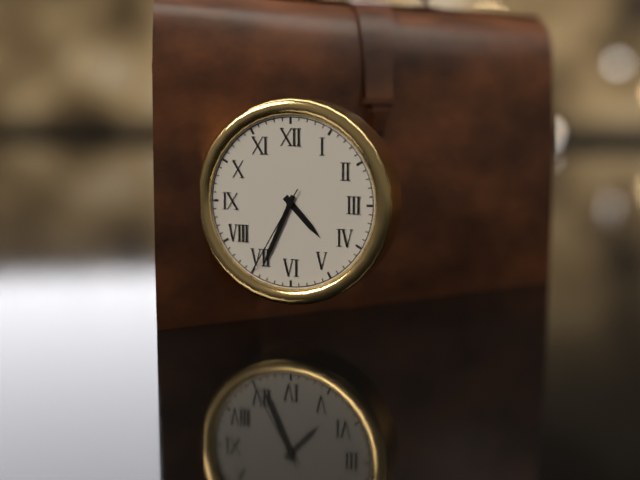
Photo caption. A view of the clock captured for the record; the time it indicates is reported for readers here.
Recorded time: 4:34:35
